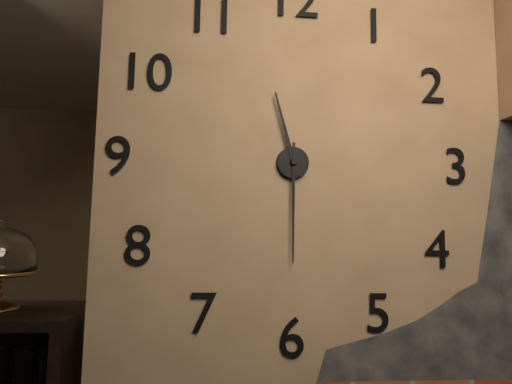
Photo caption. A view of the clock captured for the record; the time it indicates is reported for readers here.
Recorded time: 11:30
